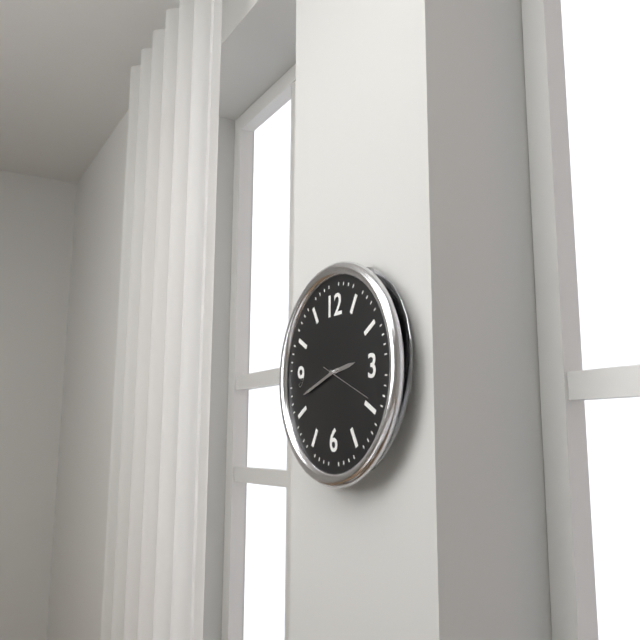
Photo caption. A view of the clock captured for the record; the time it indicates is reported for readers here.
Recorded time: 2:42
